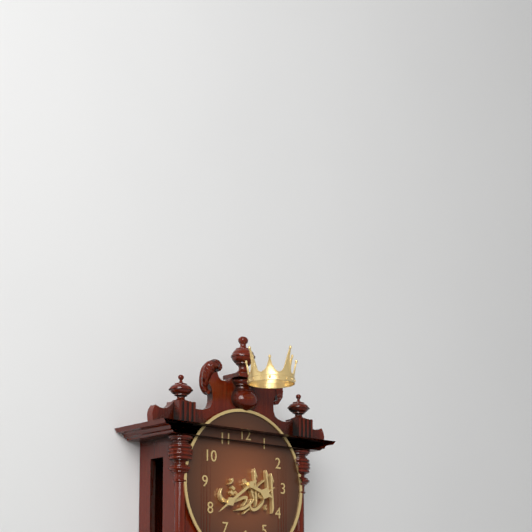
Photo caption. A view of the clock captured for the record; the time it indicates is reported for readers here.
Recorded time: 3:39
